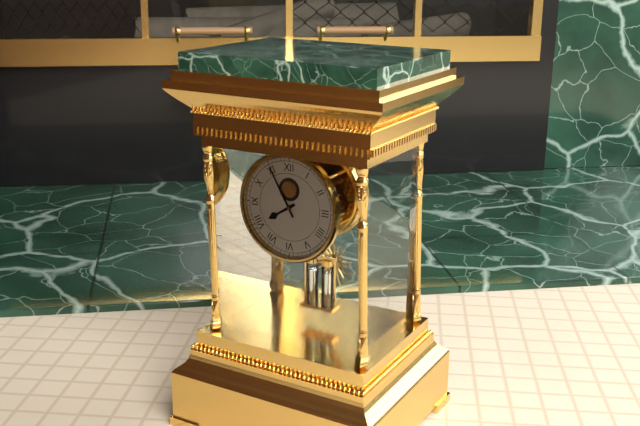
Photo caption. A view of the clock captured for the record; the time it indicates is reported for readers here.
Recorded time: 7:55
